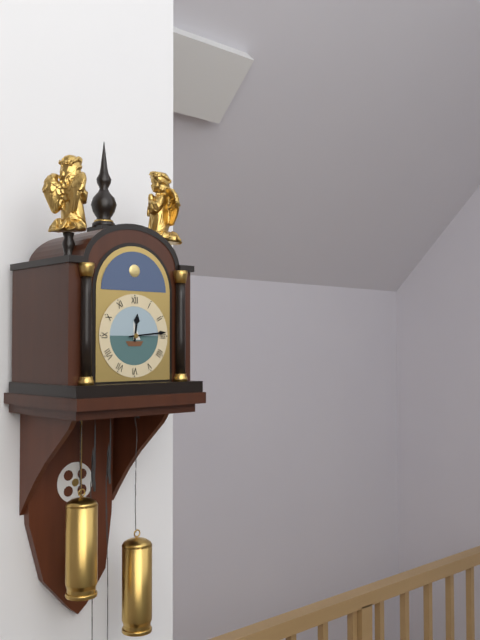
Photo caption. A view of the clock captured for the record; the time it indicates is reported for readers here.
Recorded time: 12:14
